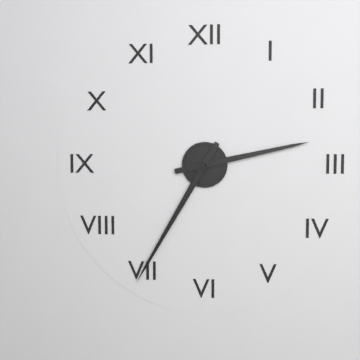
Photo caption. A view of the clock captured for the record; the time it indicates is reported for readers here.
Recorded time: 2:35
